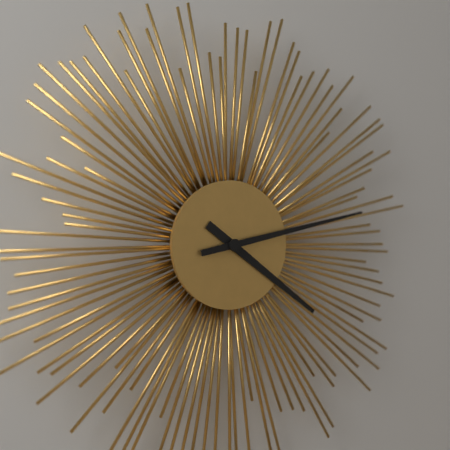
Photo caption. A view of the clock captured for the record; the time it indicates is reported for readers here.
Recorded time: 4:13
